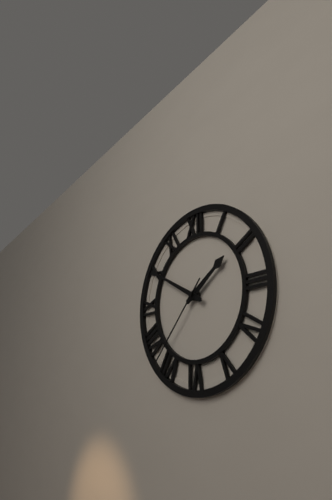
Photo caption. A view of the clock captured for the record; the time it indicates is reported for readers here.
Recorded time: 1:50:37
